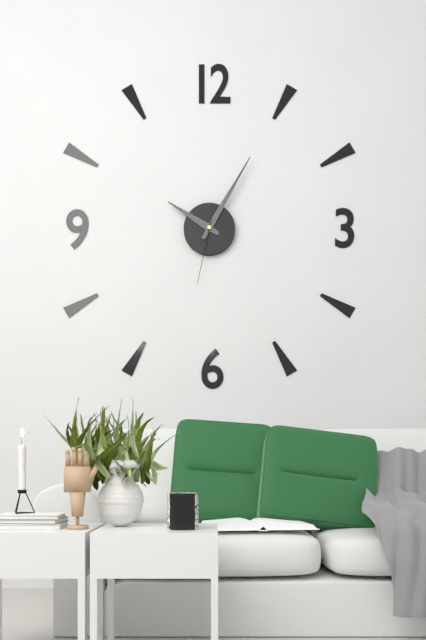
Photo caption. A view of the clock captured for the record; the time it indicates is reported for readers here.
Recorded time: 10:05:32
